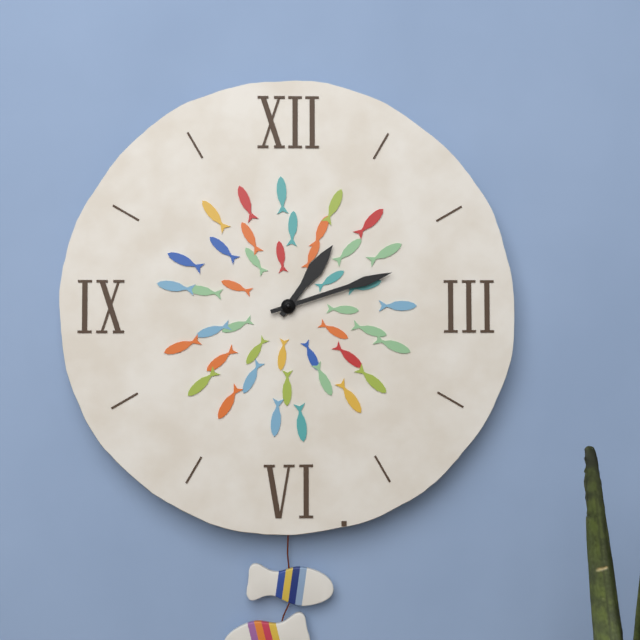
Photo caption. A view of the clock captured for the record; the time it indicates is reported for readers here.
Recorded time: 1:12
